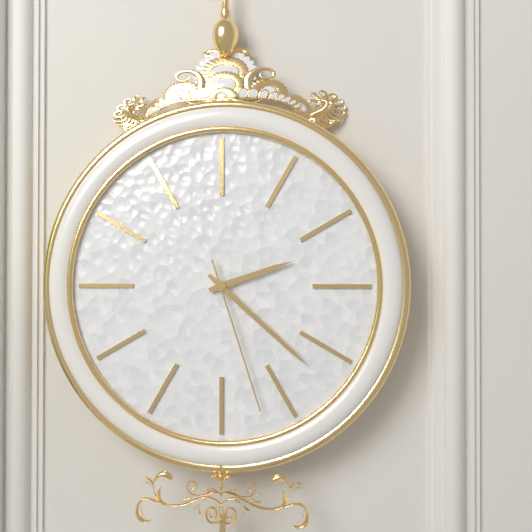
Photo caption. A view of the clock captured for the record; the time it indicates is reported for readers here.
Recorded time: 2:22:27
